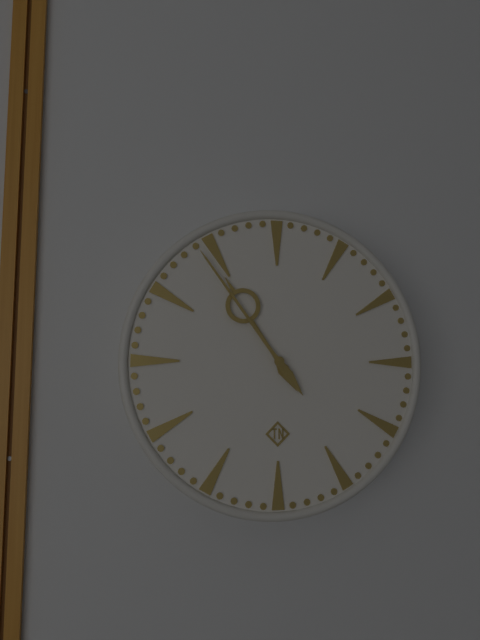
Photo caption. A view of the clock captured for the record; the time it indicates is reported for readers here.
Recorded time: 10:54
